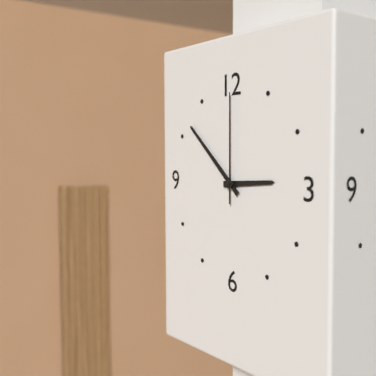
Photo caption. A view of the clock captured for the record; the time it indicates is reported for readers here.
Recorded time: 2:52:00
